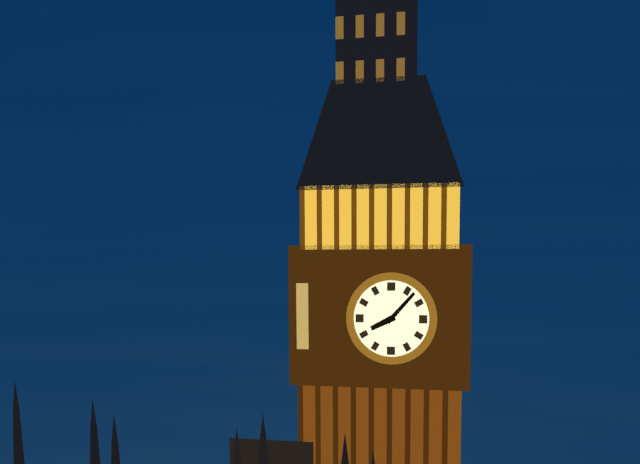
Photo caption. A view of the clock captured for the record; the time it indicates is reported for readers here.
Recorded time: 8:07
